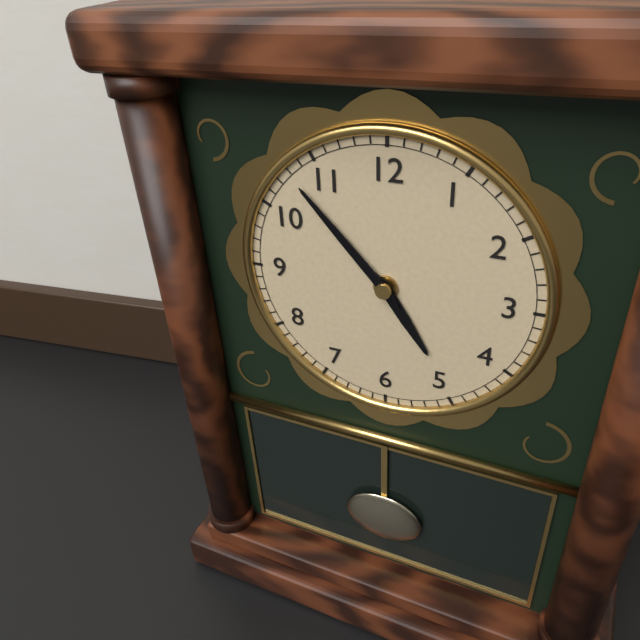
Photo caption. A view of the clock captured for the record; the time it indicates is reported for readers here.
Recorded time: 4:53
